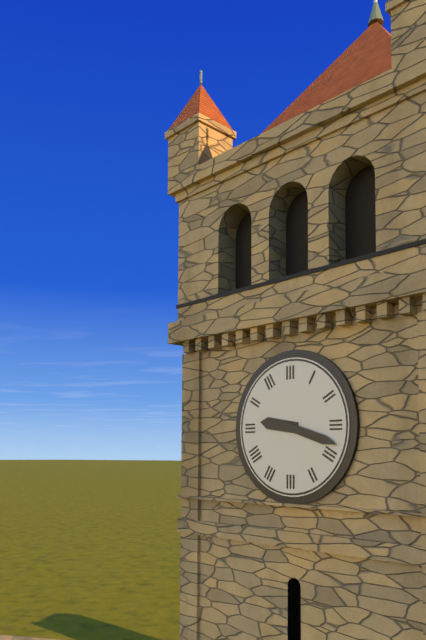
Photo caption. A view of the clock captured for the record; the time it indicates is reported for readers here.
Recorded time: 9:18
